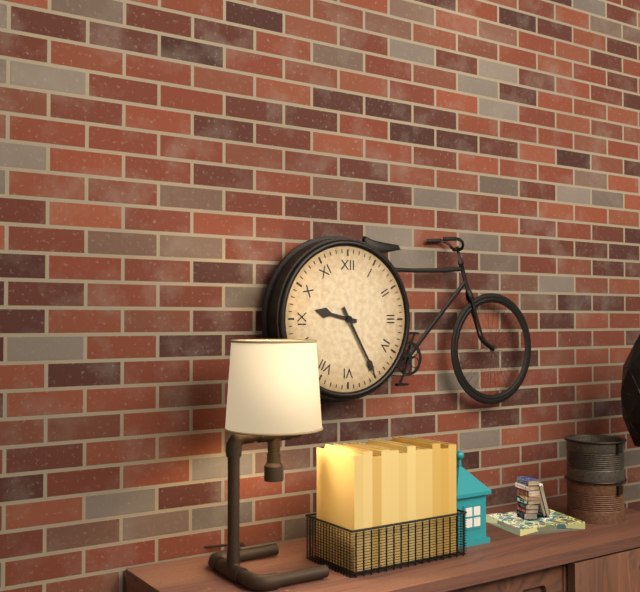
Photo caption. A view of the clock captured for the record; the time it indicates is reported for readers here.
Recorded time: 9:25
